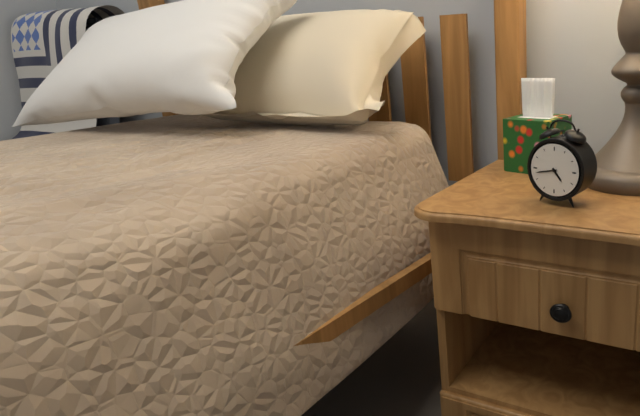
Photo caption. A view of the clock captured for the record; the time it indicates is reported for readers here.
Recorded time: 4:43
